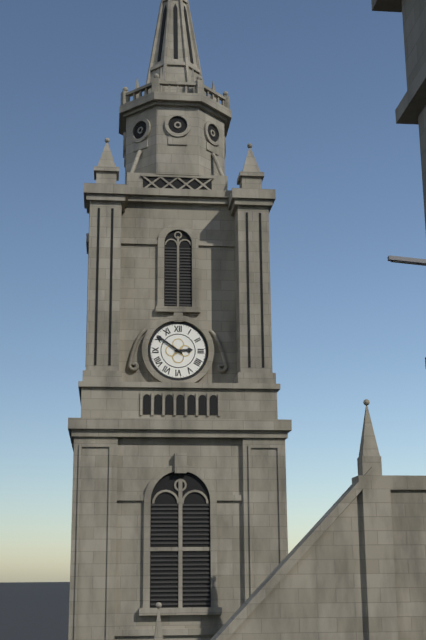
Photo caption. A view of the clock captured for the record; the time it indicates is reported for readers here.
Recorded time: 2:51
